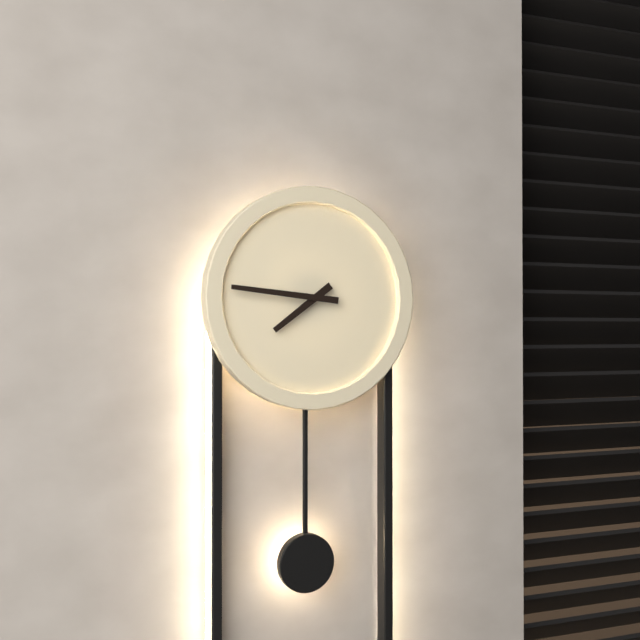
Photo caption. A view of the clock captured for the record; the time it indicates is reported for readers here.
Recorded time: 7:46
